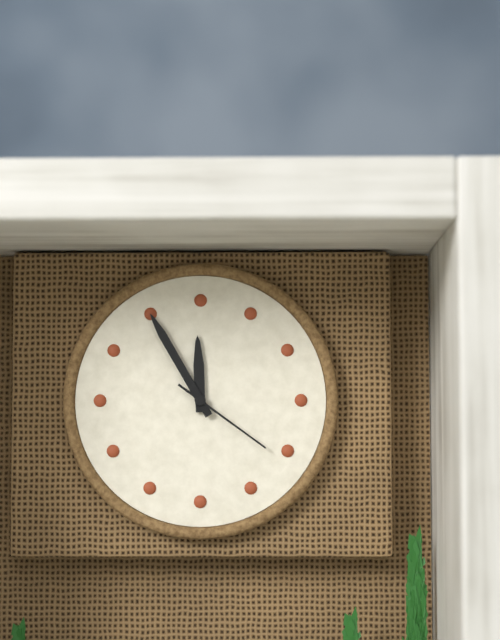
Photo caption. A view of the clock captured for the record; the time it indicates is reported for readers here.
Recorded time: 11:55:21
